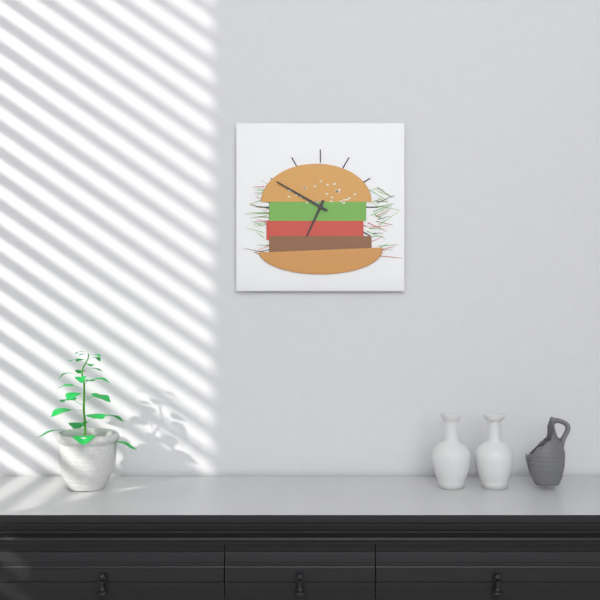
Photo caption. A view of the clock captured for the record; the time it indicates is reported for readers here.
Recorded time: 6:50
